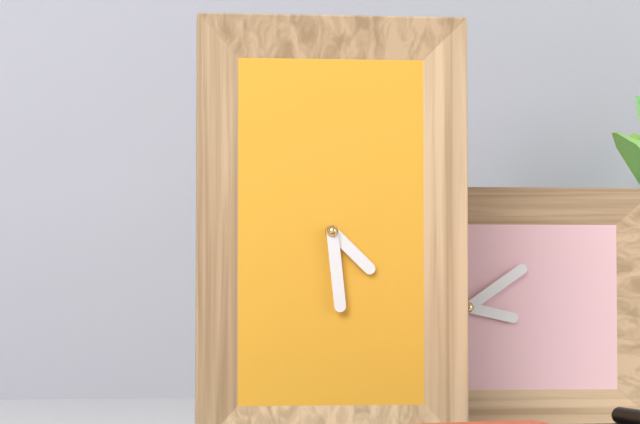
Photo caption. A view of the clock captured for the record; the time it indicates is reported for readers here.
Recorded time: 4:29
